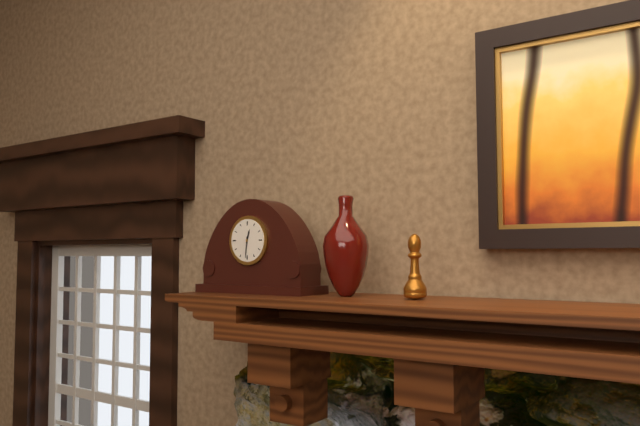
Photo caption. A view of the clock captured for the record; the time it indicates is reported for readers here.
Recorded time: 12:31
